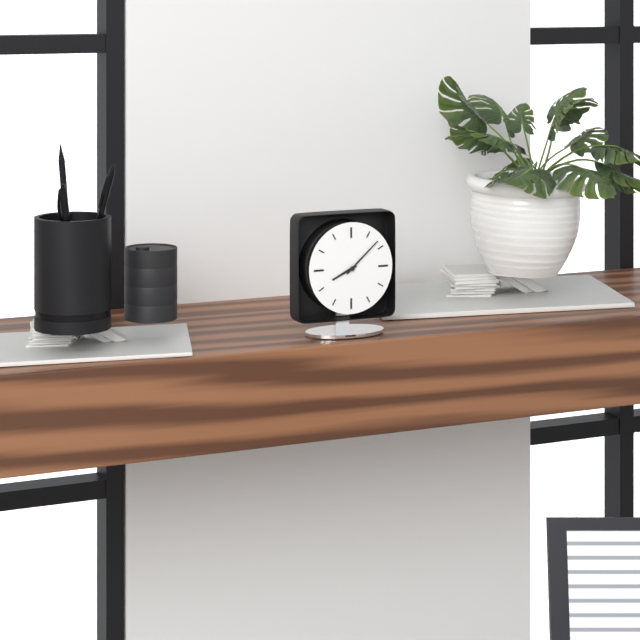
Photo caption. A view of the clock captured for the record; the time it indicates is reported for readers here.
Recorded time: 8:08
